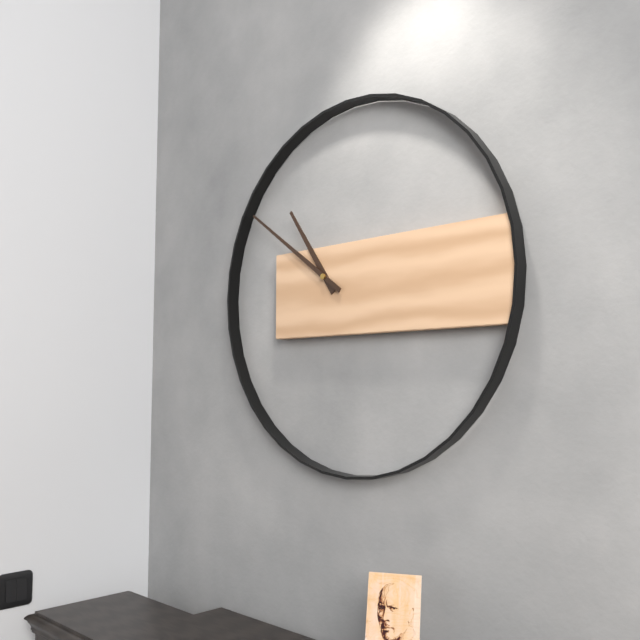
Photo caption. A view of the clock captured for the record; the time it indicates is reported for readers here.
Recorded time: 10:51
